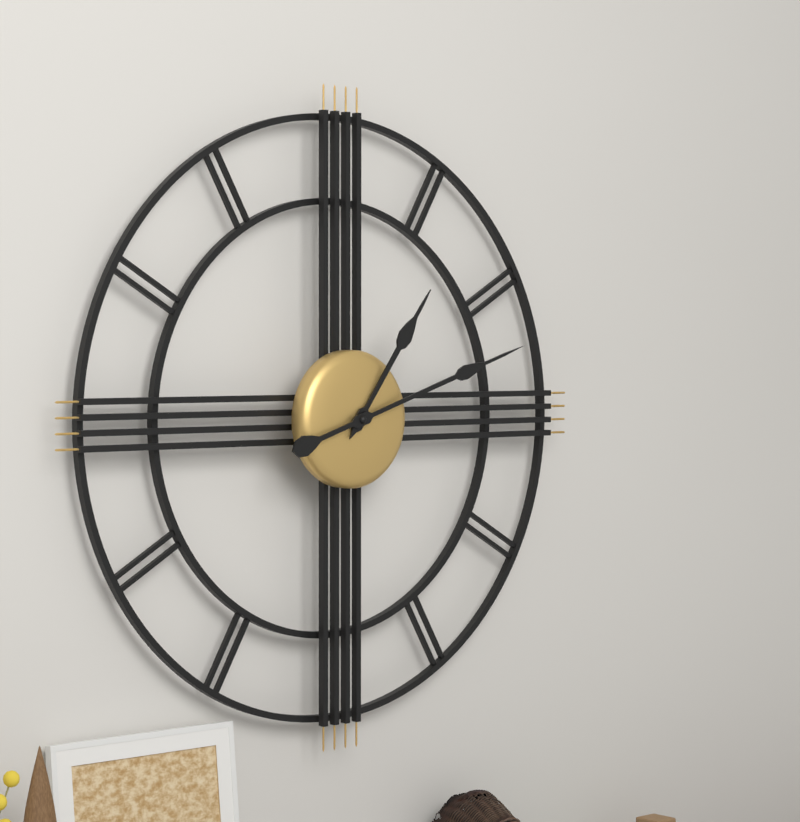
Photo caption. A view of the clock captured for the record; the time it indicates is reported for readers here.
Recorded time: 1:12
